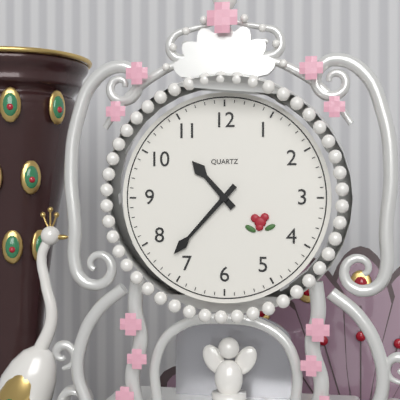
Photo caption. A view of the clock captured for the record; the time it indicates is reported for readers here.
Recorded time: 10:37
